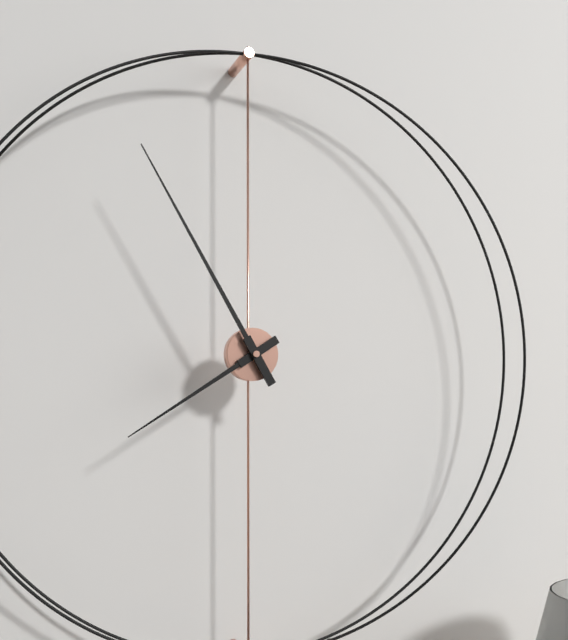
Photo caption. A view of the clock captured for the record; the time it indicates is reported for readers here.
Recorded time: 7:55
